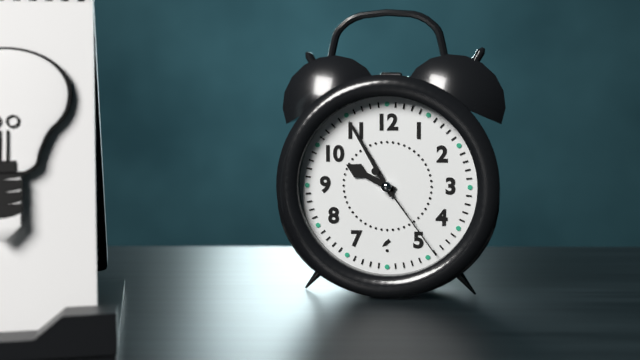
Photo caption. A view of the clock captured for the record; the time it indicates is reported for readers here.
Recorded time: 9:55:24
